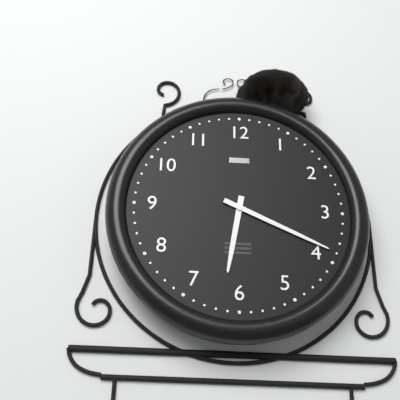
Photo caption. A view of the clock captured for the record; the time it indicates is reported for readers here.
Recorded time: 6:19
